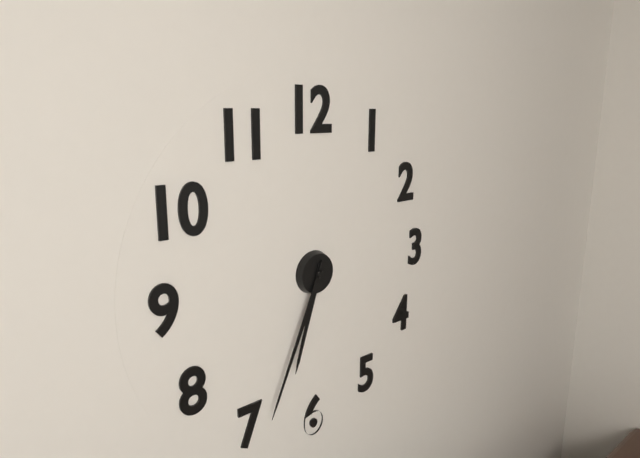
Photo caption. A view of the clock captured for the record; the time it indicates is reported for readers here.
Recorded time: 6:34
